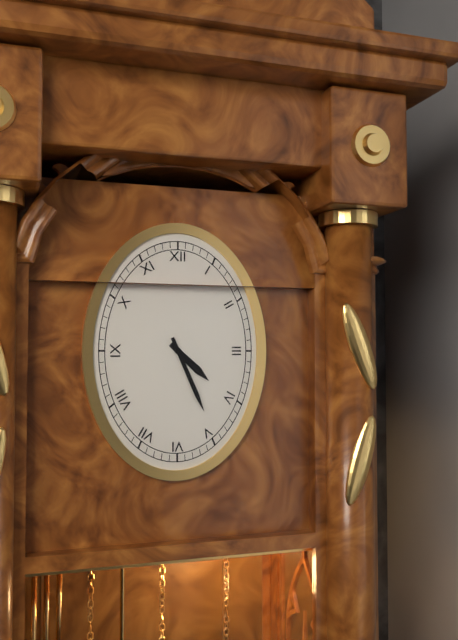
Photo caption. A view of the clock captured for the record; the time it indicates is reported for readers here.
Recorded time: 4:26
